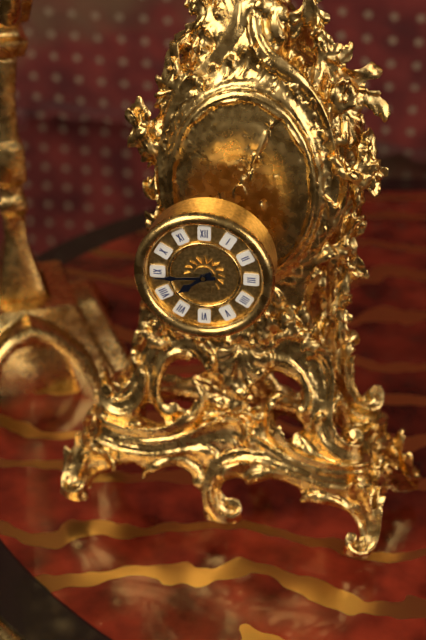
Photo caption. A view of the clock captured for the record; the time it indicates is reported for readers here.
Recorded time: 7:44
